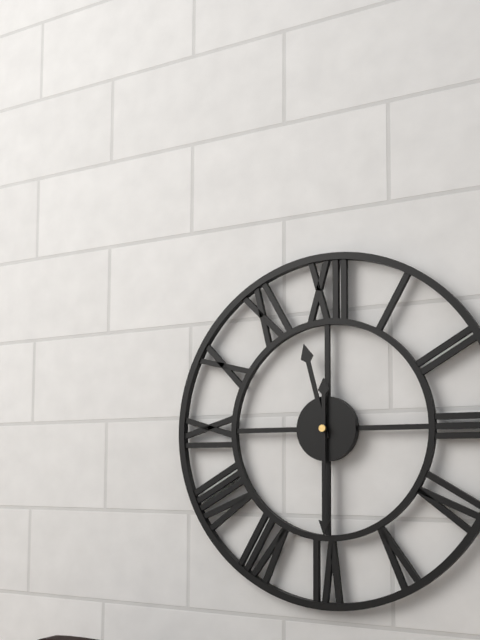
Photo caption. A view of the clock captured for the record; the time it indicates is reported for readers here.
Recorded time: 11:30
